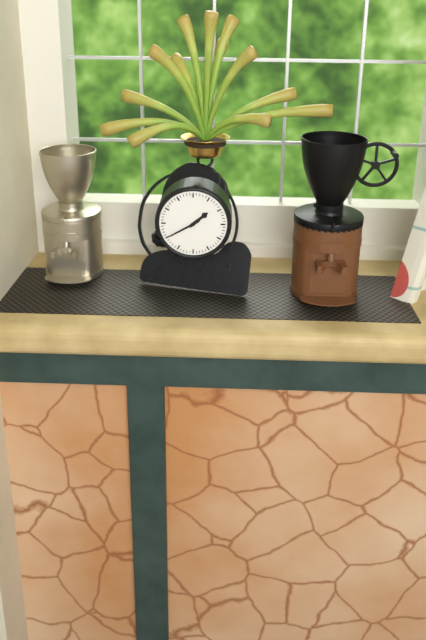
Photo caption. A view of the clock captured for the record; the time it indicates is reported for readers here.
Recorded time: 1:40
